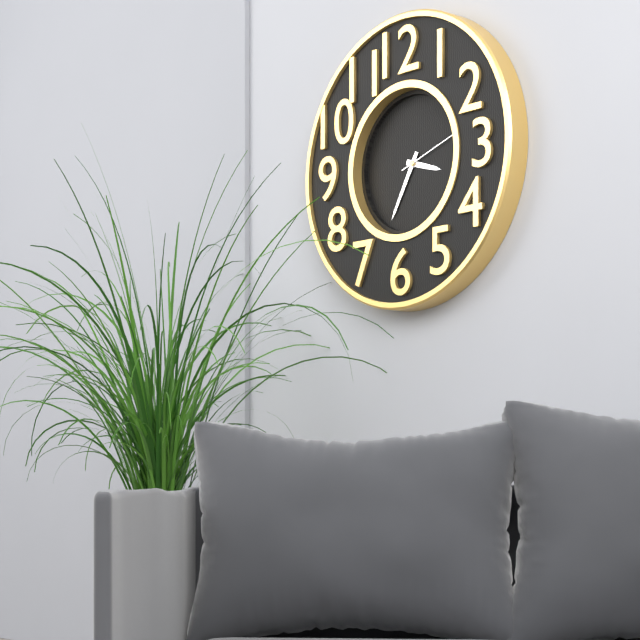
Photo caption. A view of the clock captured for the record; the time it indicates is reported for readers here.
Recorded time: 3:35:12
